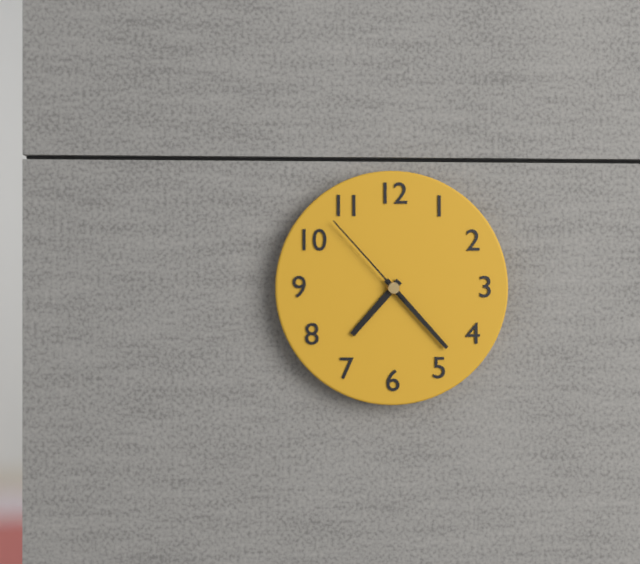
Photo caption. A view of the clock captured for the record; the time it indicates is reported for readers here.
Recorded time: 7:23:53
